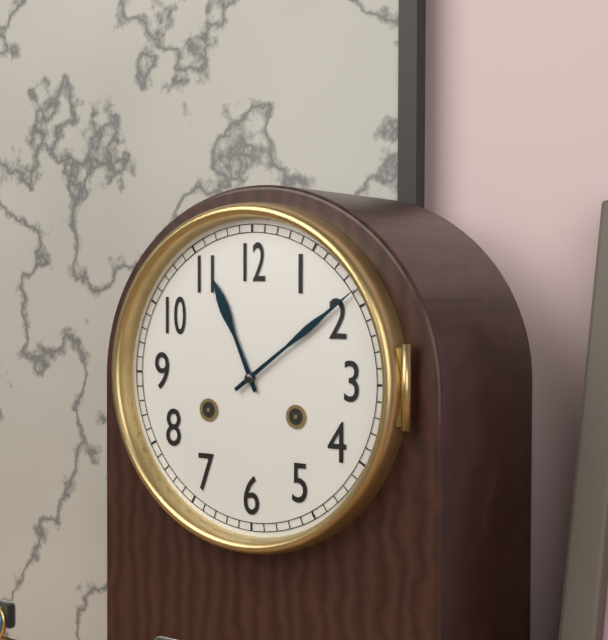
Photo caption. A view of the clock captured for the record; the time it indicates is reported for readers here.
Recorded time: 11:09
